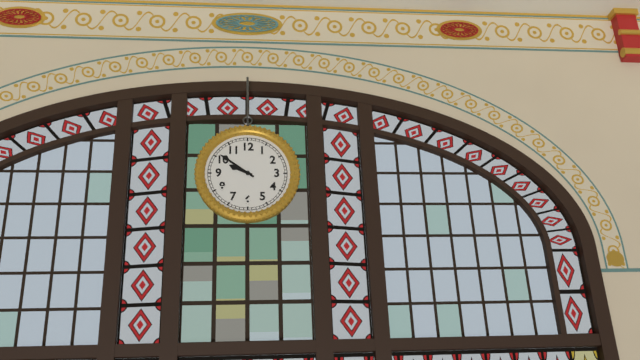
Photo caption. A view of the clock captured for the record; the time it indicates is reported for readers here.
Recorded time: 9:51
